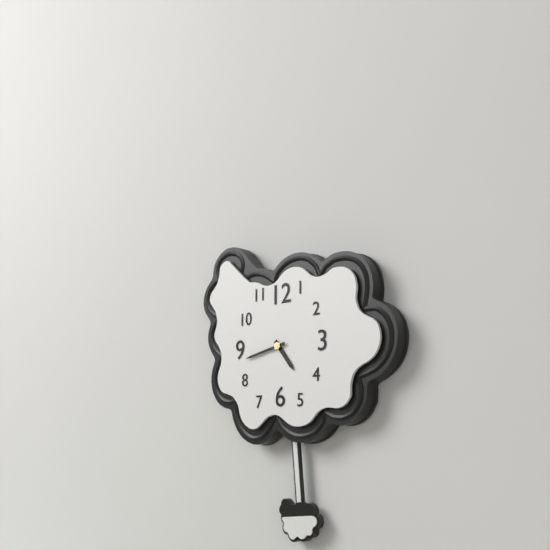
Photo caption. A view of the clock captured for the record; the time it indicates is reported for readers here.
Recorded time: 4:43
